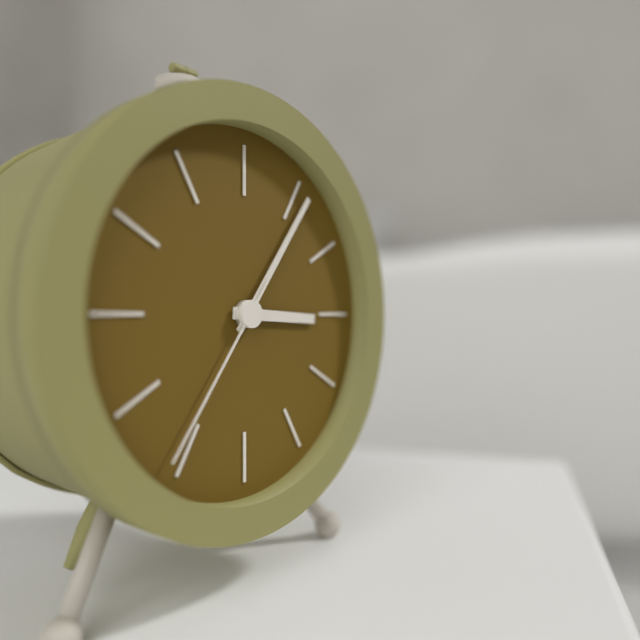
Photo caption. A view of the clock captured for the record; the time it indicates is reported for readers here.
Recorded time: 3:06:36
